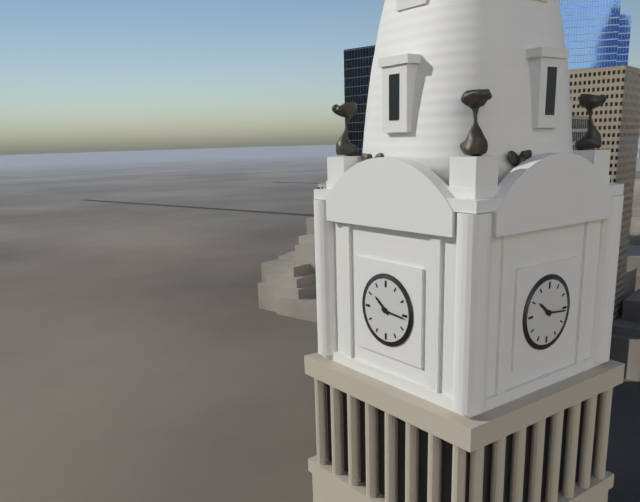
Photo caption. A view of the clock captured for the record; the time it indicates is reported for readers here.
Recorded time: 10:16
